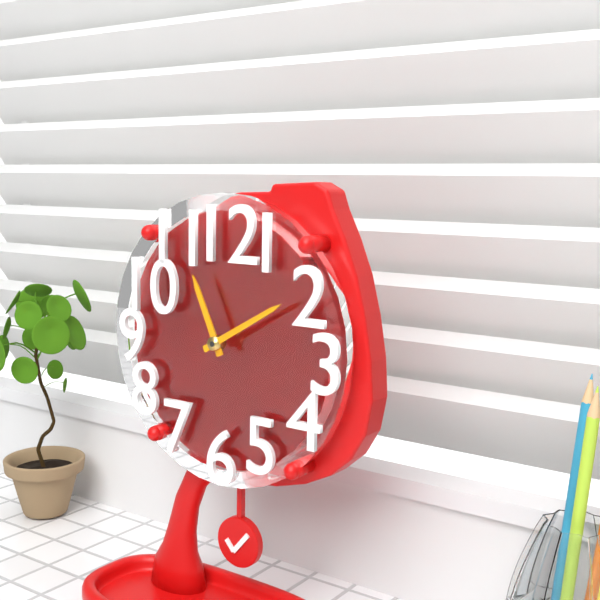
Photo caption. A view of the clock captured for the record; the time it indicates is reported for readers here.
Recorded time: 11:10
